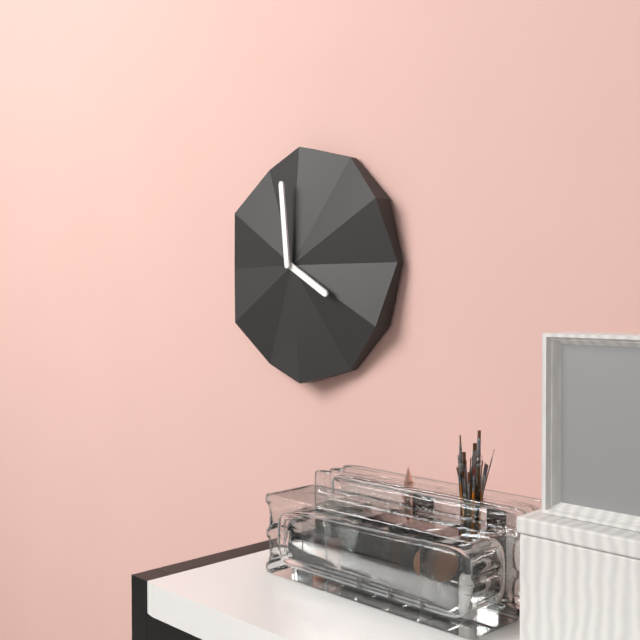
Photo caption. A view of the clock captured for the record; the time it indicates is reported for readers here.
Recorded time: 3:59
